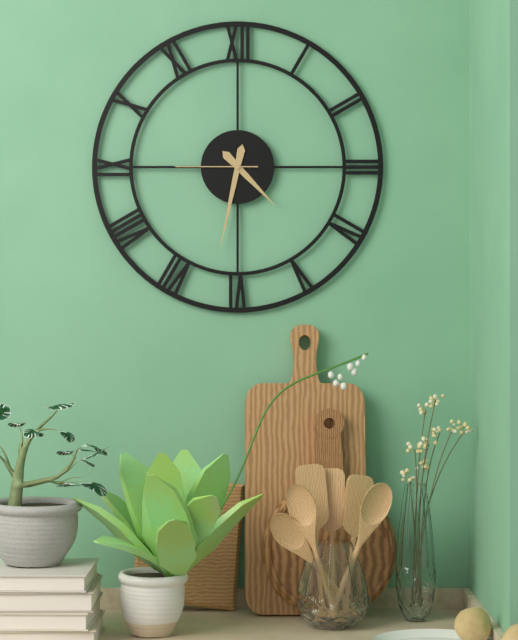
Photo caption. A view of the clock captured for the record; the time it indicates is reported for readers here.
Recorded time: 4:32:45
